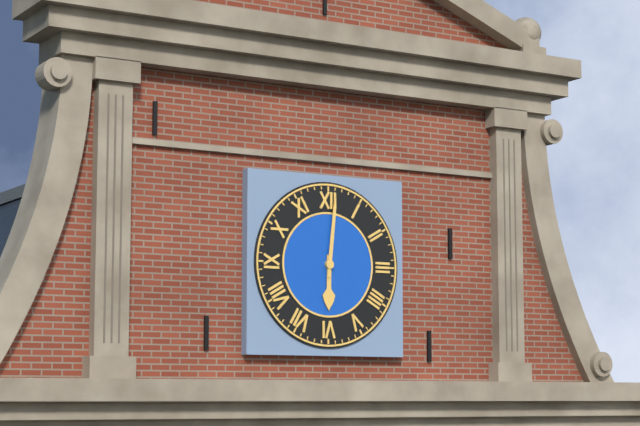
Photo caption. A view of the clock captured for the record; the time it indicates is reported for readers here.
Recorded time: 6:01
